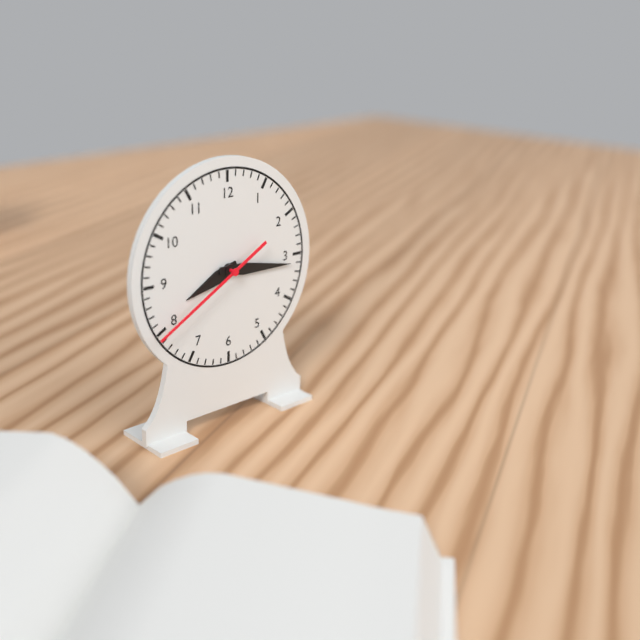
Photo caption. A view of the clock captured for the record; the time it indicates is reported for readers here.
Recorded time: 8:16:40
